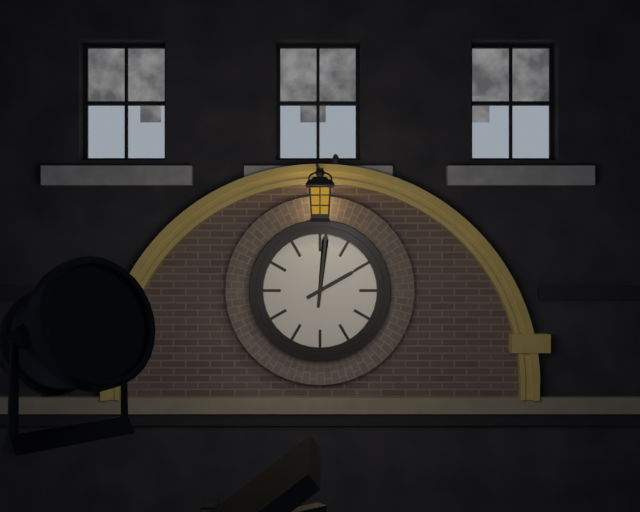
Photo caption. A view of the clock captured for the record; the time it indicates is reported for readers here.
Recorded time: 2:01
